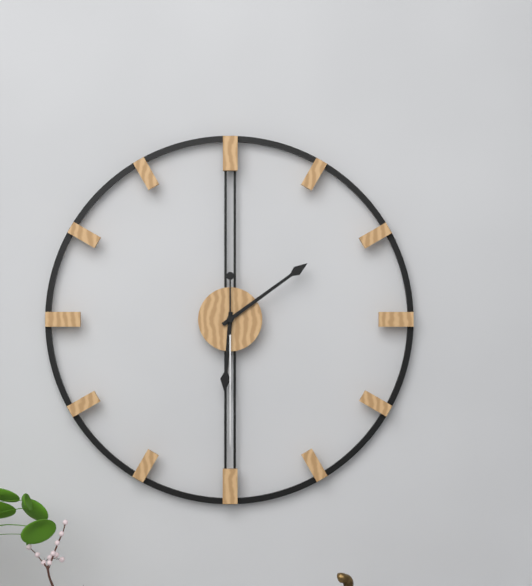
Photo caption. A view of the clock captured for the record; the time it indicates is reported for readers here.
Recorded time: 6:09:30
